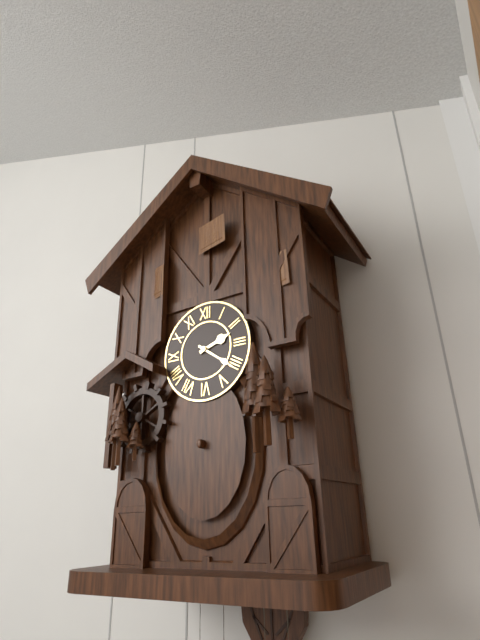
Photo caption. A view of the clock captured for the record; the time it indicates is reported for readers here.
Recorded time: 2:21
